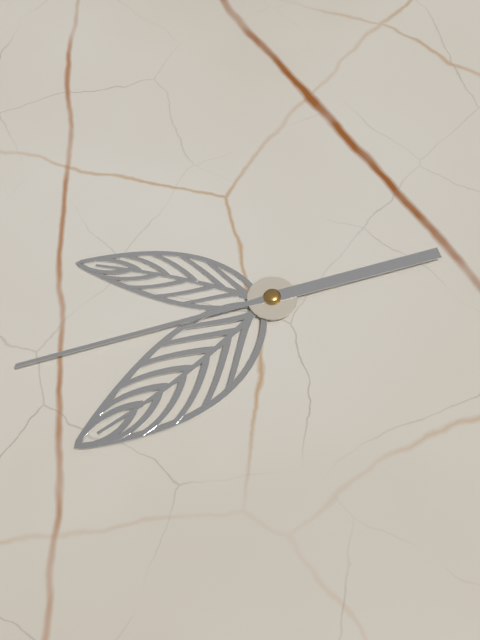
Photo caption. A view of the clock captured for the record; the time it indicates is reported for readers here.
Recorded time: 4:12:16
